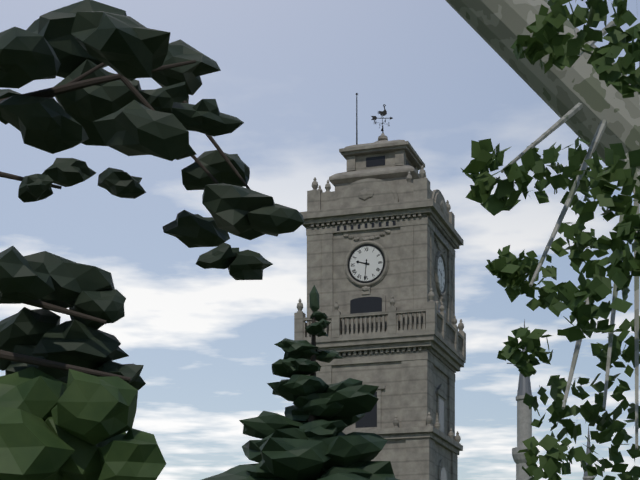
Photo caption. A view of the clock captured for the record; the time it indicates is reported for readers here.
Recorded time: 9:31
